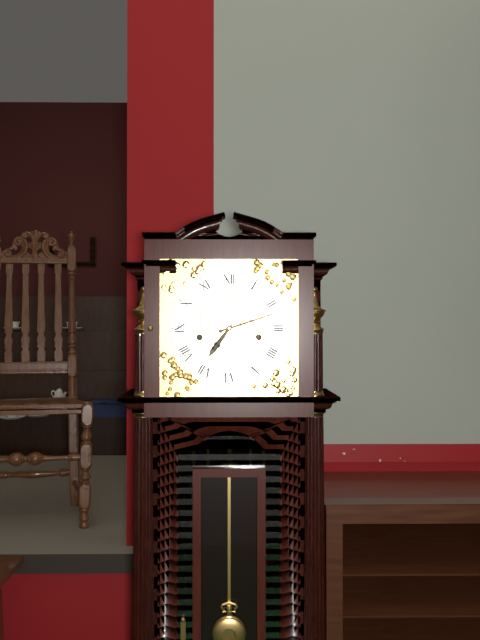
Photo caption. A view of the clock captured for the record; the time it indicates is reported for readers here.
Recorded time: 7:12
